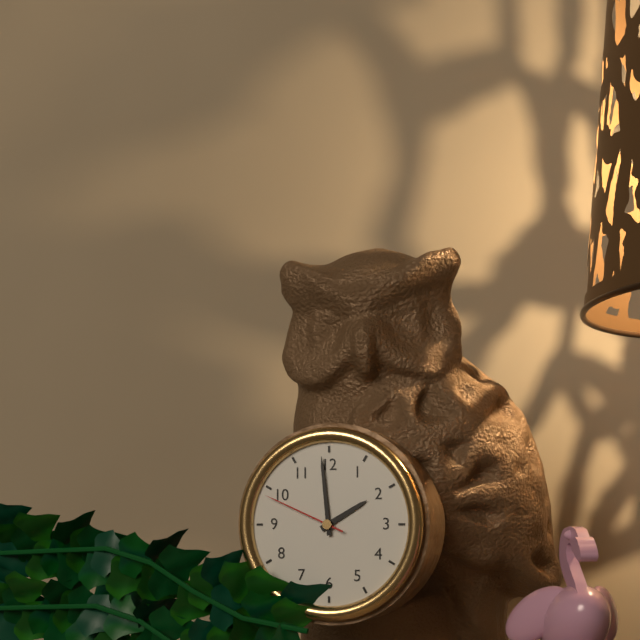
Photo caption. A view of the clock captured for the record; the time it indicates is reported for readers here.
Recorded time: 1:59:49
